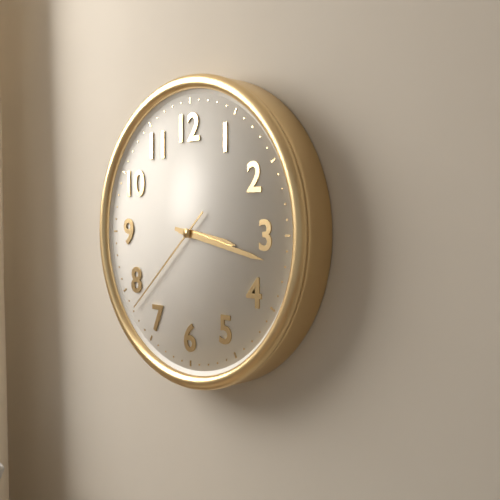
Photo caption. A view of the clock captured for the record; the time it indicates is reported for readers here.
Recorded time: 3:17:38
